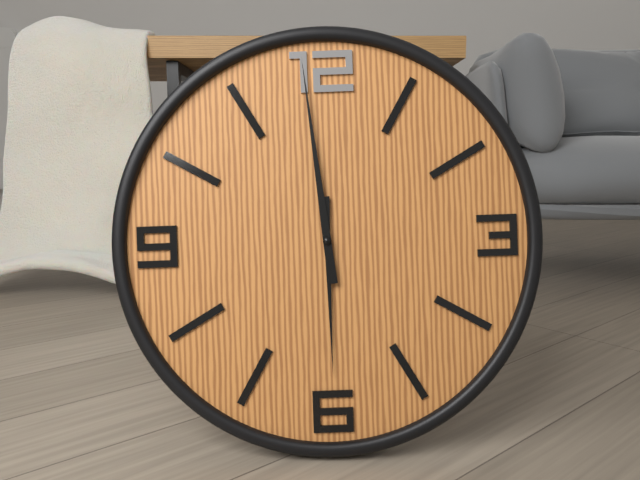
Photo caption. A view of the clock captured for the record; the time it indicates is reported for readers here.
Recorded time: 5:59
